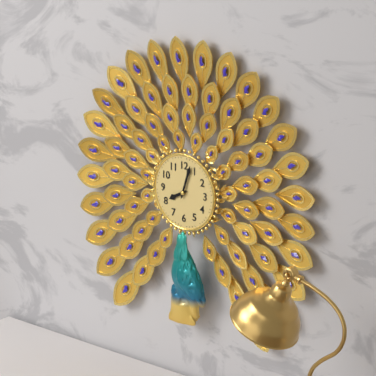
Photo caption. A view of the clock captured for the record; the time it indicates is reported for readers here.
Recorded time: 8:03
